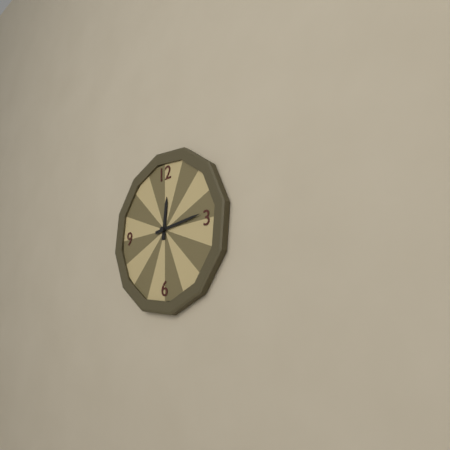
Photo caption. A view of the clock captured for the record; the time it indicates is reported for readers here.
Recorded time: 12:14
